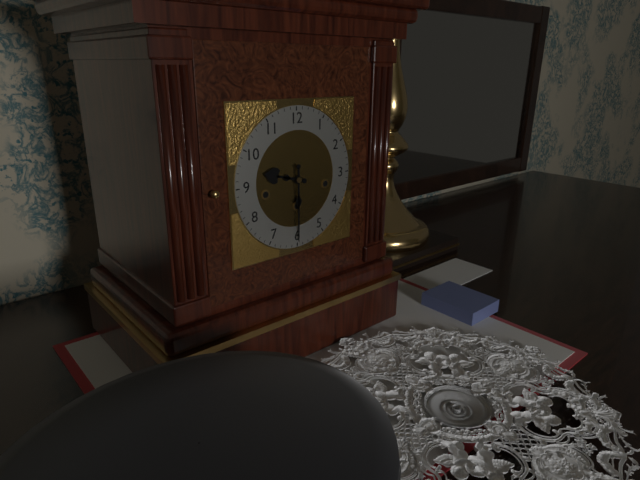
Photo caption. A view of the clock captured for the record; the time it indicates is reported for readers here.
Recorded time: 9:30
